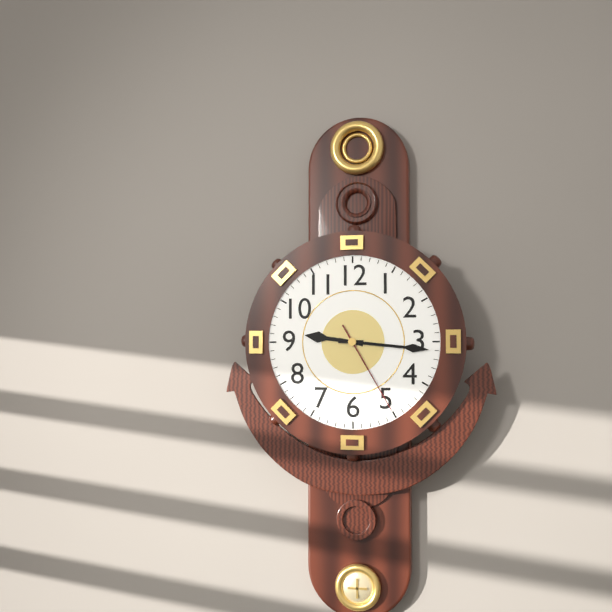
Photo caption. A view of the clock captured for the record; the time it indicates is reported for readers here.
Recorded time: 9:16:25
